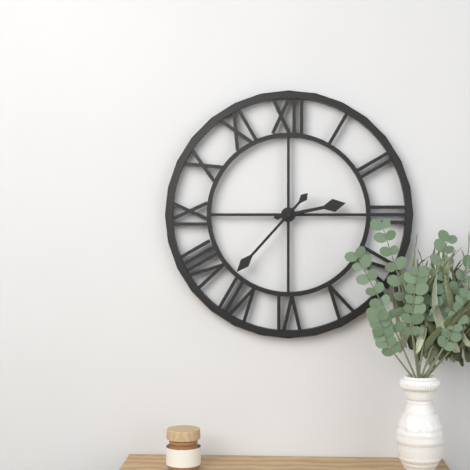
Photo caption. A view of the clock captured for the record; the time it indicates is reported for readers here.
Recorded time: 2:37
